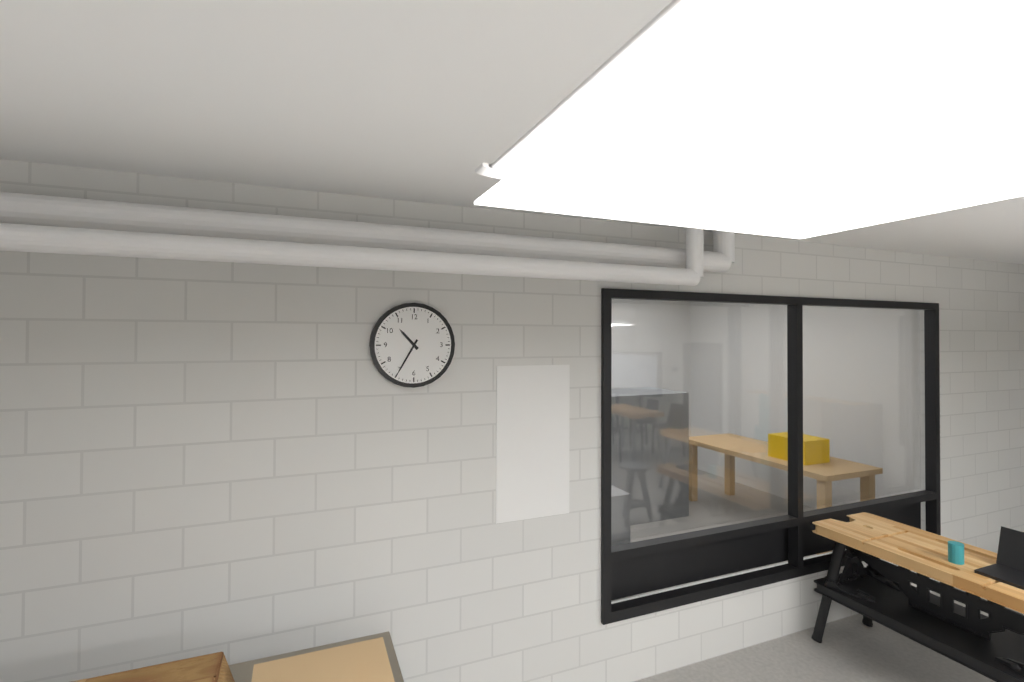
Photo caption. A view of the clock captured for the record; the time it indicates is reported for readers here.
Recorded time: 10:35
